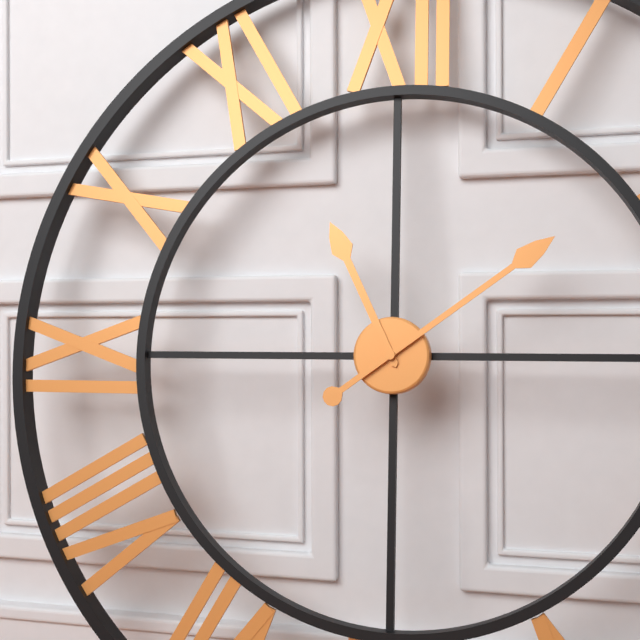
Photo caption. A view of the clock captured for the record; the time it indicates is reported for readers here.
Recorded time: 11:09
